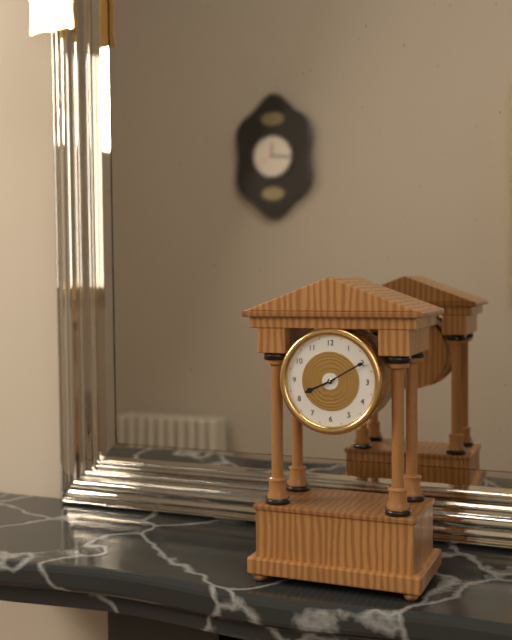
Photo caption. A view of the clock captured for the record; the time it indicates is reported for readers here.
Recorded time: 8:10
